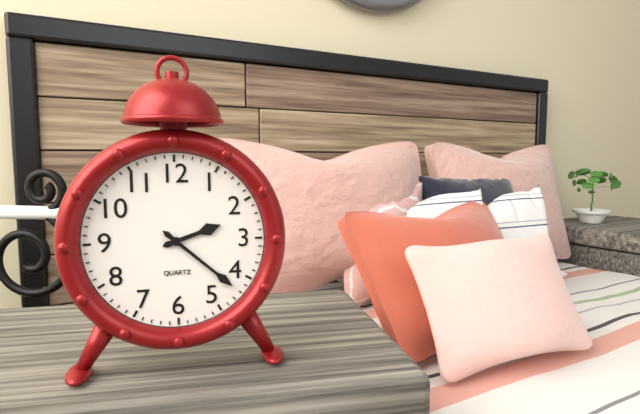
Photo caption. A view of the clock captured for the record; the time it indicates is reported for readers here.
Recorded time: 2:22
